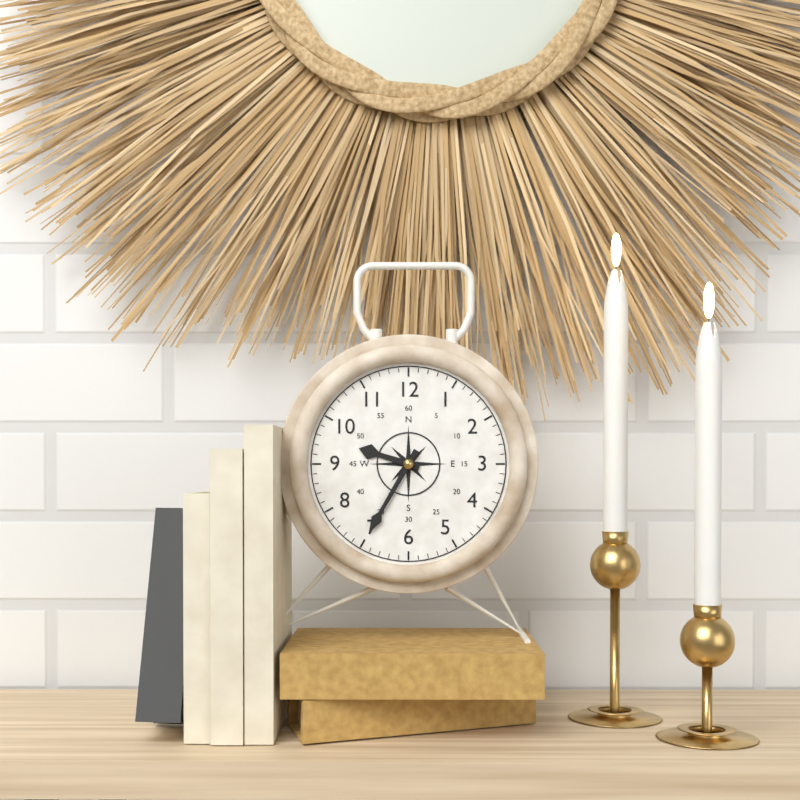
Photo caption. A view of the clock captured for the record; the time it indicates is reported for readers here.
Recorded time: 9:35
